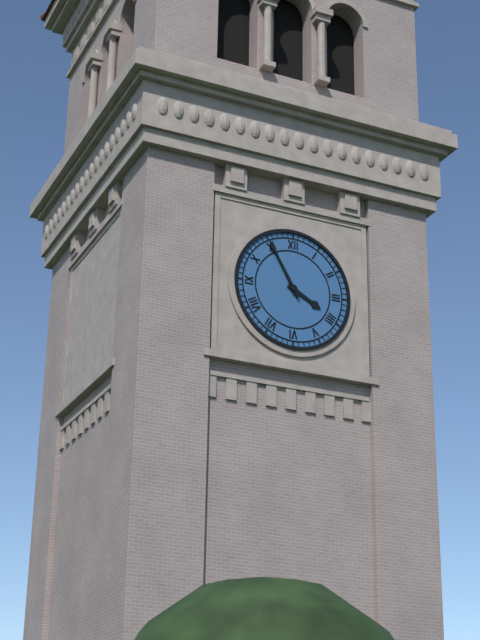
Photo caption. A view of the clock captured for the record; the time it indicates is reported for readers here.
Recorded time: 3:55
